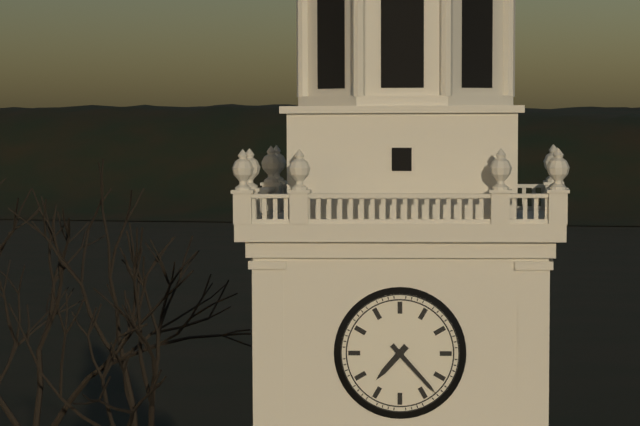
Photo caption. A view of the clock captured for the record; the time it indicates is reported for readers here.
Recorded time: 7:23
